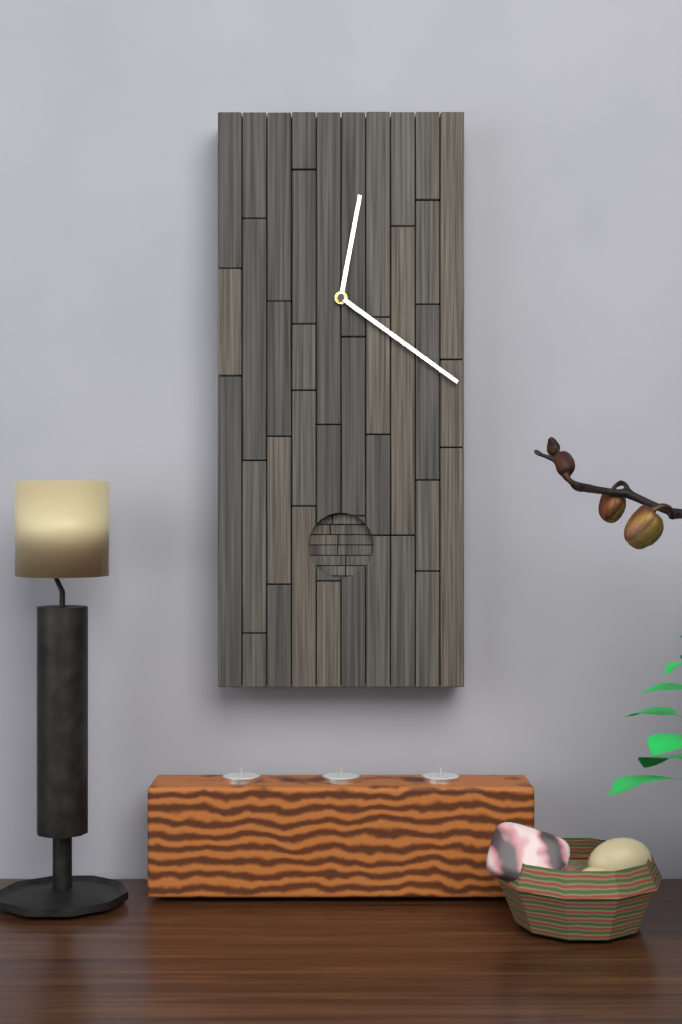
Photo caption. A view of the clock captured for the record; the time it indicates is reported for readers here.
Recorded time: 12:21
